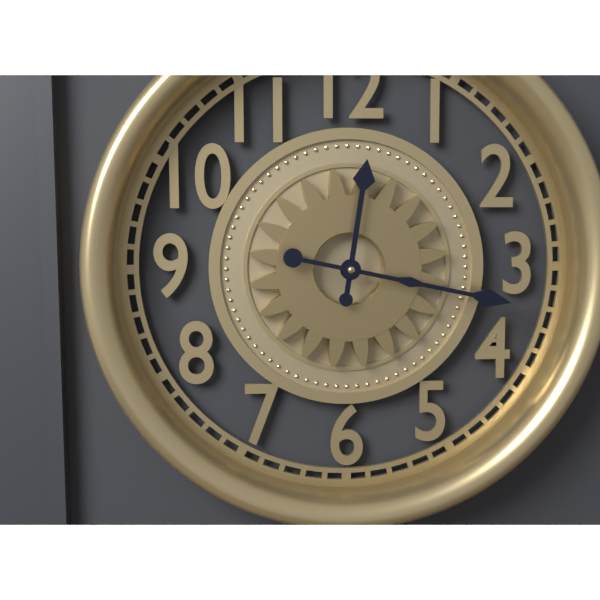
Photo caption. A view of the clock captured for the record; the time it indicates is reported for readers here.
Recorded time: 12:17
